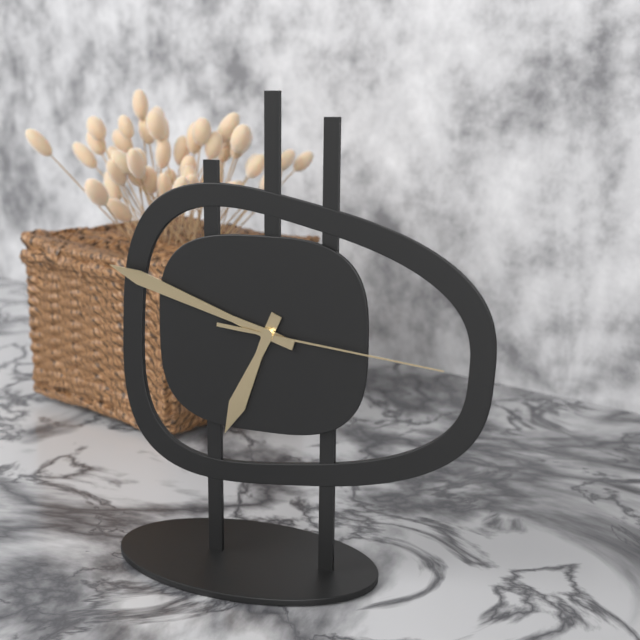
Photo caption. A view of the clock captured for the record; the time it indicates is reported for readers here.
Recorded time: 6:48:16
